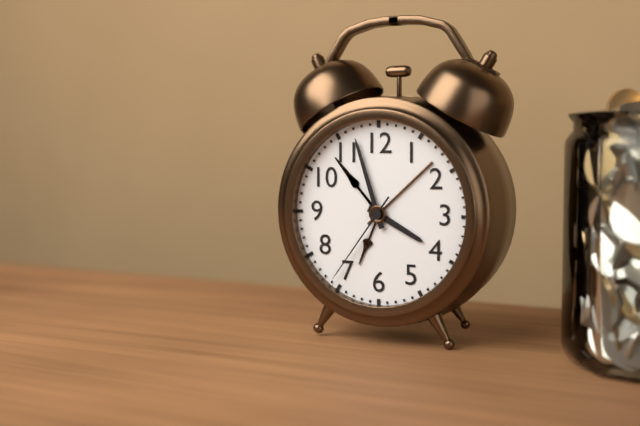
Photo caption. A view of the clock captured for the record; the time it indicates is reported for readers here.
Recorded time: 3:57:36
